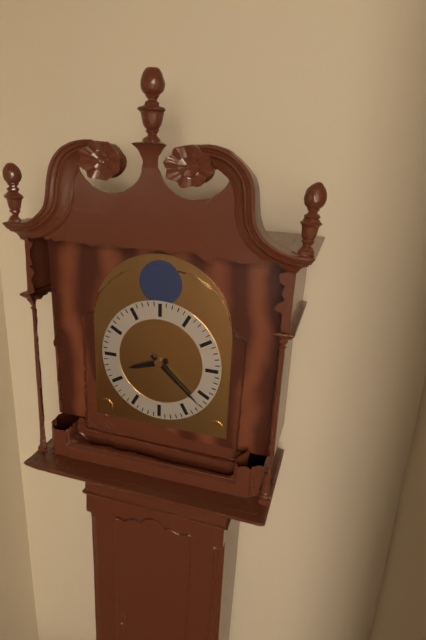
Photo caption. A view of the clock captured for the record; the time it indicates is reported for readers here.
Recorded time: 8:22
